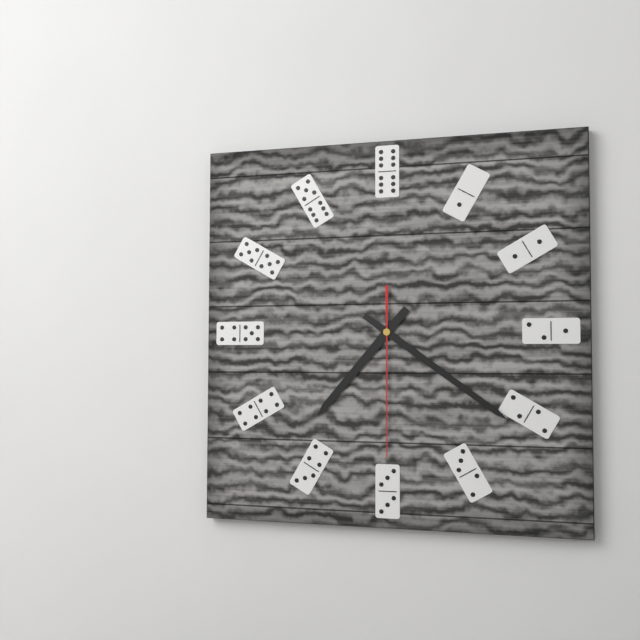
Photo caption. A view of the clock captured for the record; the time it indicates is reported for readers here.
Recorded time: 7:21:30
